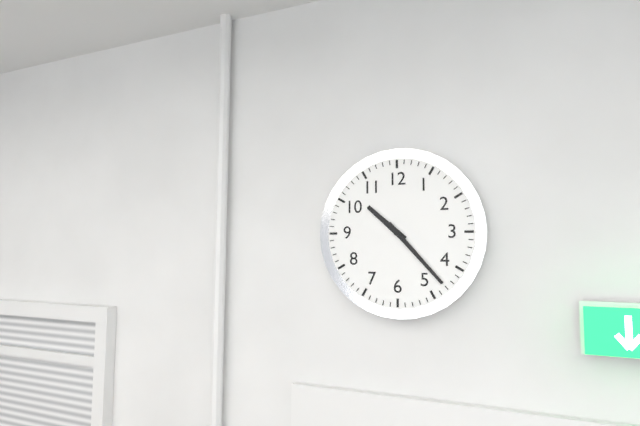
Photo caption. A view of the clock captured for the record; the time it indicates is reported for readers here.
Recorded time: 10:23
